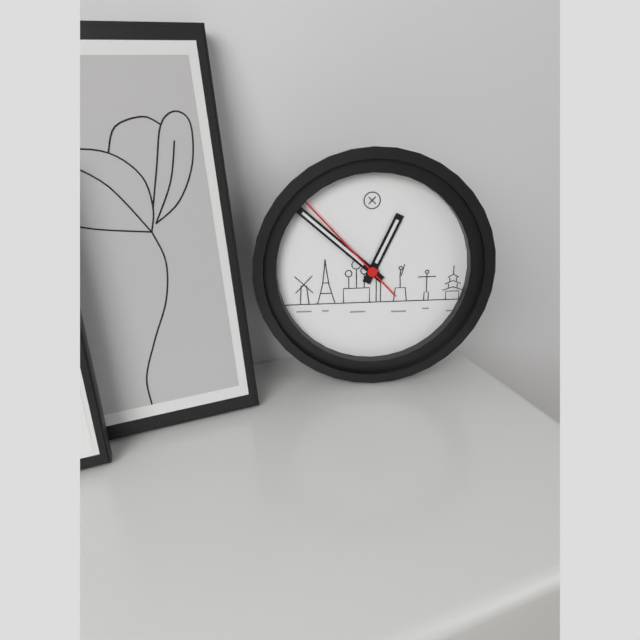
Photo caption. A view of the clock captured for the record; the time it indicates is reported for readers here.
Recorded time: 12:52:53
